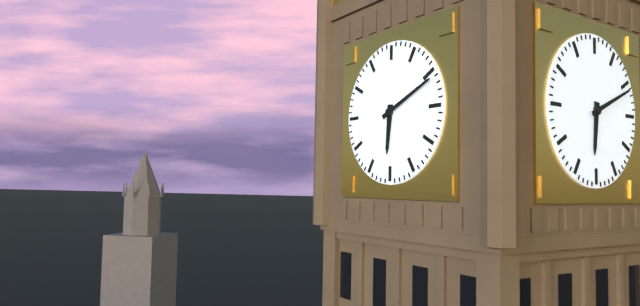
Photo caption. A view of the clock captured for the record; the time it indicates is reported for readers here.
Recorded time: 6:11
